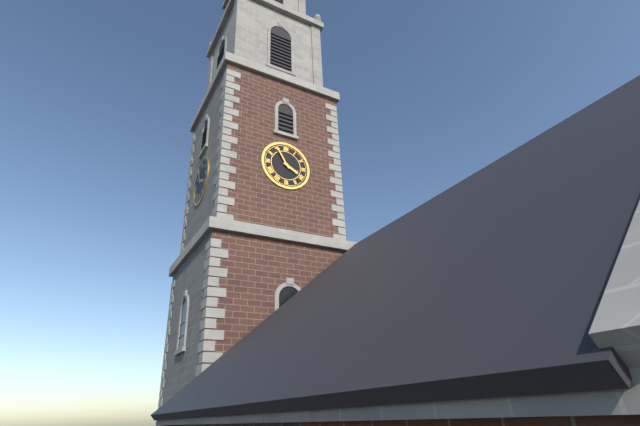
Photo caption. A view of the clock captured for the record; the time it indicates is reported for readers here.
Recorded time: 3:55
